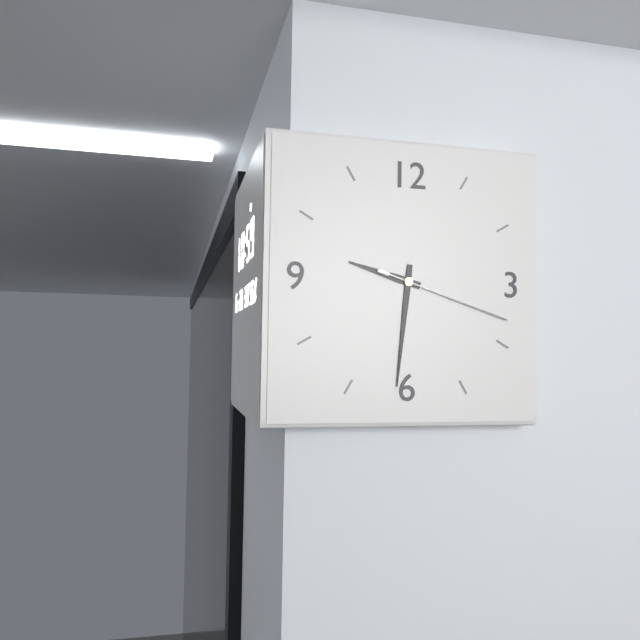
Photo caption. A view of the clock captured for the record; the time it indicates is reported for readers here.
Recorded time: 9:31:18
